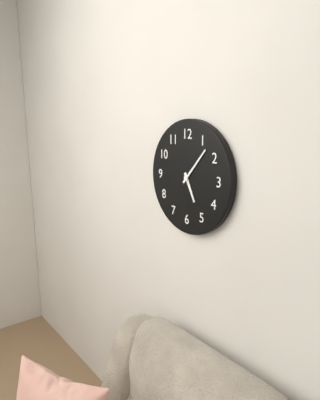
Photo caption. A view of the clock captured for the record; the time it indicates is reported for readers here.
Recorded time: 5:07
